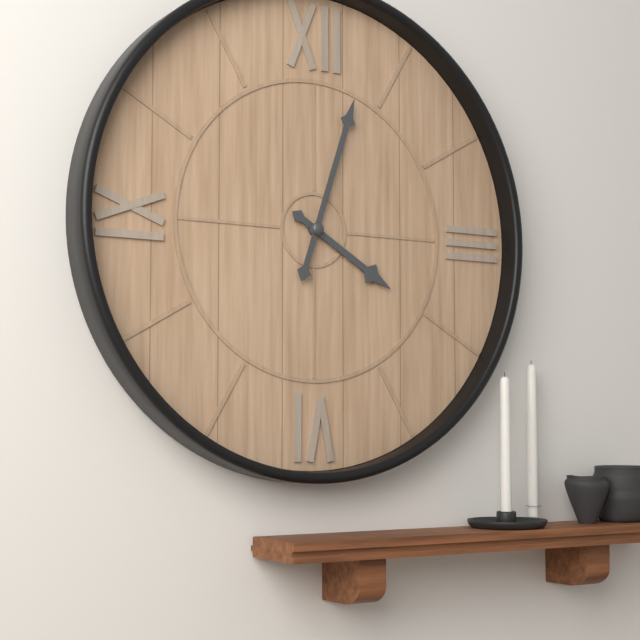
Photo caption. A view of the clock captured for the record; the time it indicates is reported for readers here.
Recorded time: 4:03
